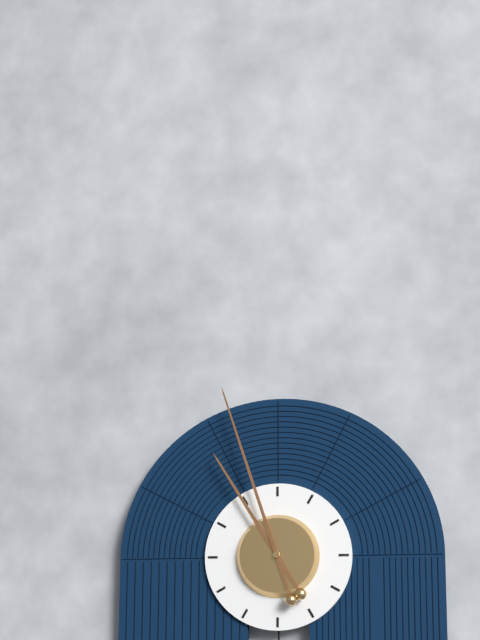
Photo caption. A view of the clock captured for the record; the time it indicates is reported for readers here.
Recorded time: 10:57
